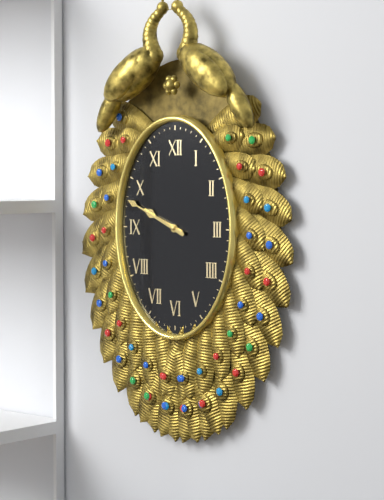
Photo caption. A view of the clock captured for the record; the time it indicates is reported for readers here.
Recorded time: 9:49
